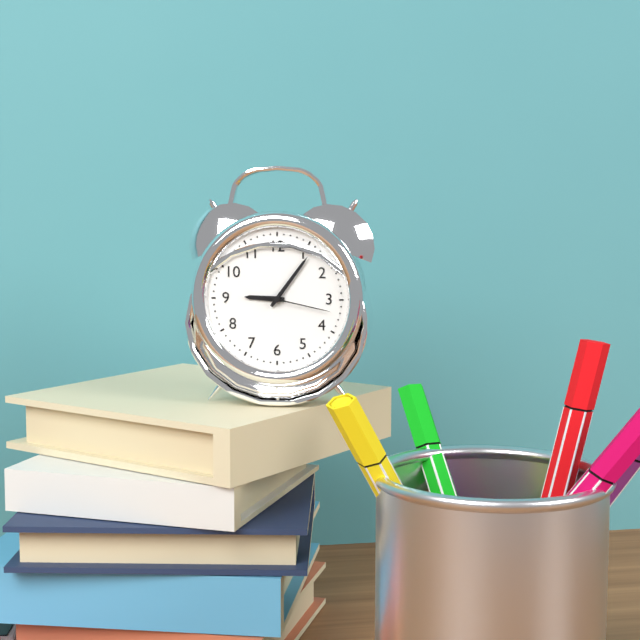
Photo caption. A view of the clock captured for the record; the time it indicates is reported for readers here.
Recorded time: 9:06:17
